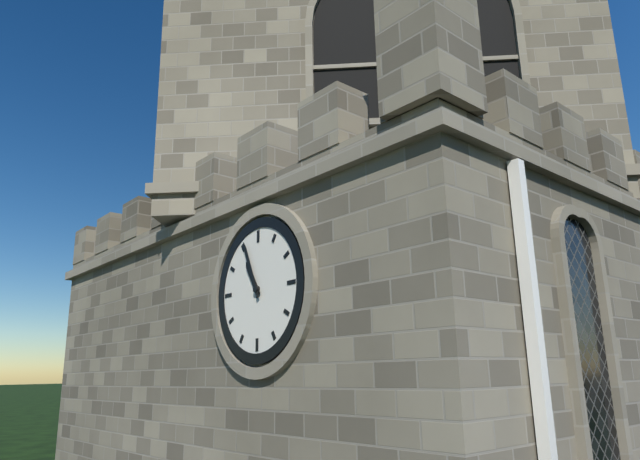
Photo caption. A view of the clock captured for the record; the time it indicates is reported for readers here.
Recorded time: 10:56
